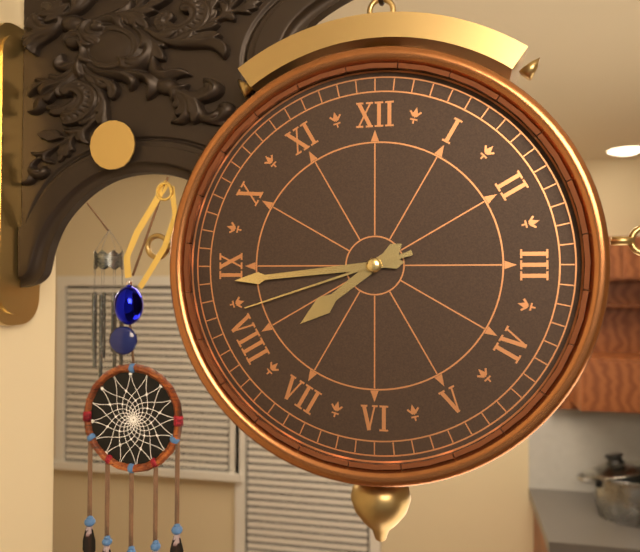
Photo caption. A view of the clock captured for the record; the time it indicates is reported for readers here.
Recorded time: 7:44:42
